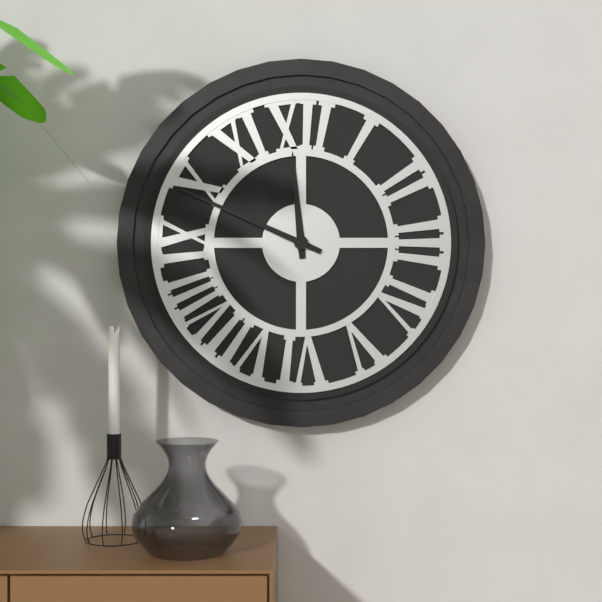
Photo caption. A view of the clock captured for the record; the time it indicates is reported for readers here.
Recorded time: 11:49
